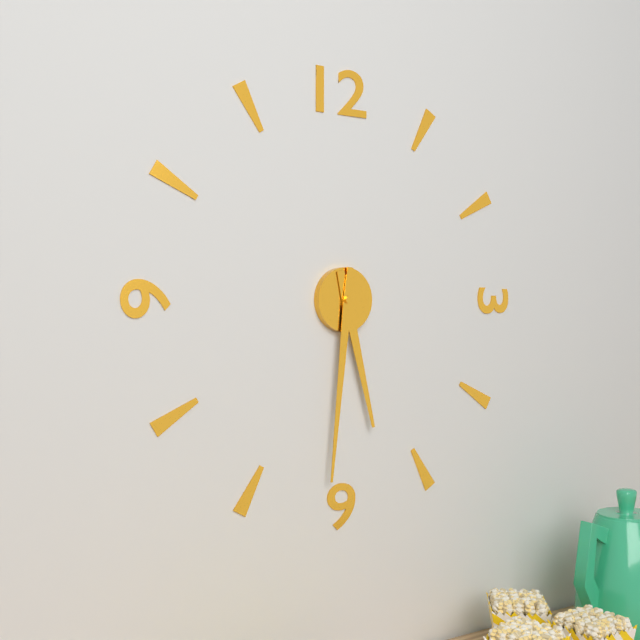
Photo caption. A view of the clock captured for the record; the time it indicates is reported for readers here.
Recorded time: 5:31
